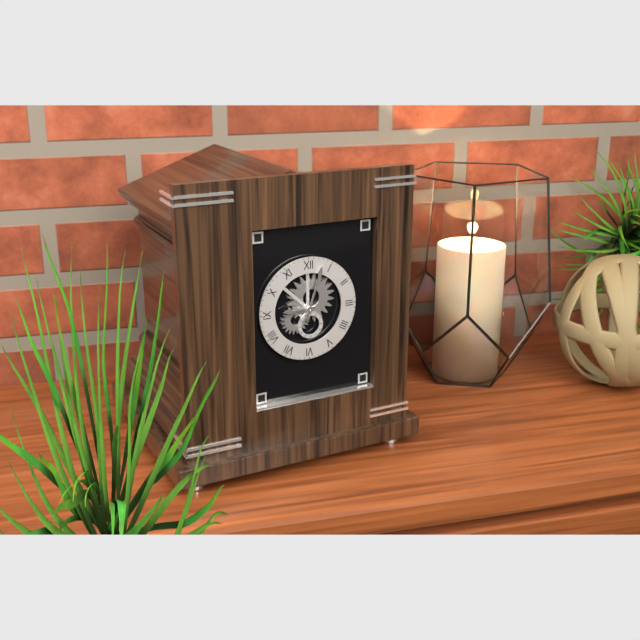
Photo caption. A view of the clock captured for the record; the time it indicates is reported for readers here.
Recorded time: 9:03
